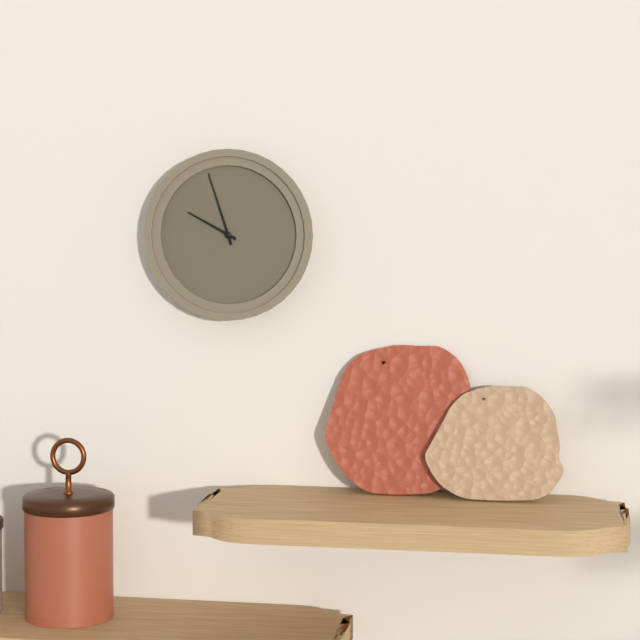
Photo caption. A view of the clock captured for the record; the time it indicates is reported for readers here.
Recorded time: 9:57
